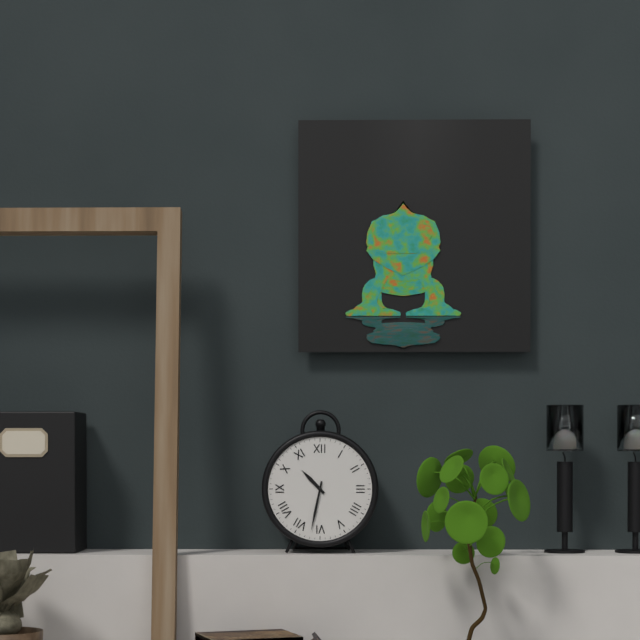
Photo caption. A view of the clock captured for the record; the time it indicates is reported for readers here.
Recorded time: 10:32
